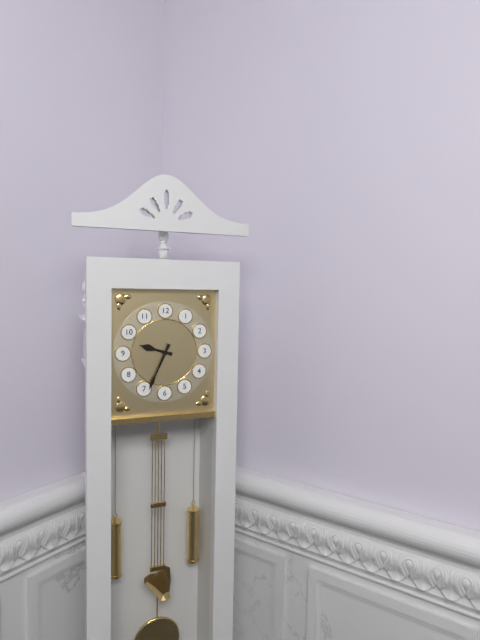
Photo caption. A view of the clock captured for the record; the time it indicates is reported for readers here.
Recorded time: 9:34
